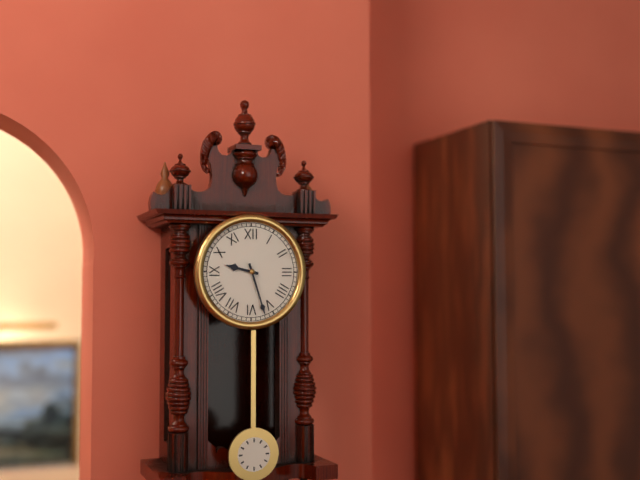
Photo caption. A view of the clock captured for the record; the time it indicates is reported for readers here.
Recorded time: 9:27
